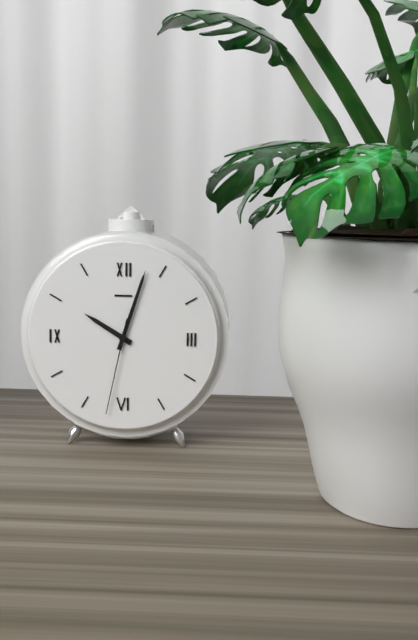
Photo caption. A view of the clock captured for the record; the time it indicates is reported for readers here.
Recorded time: 10:03:32
